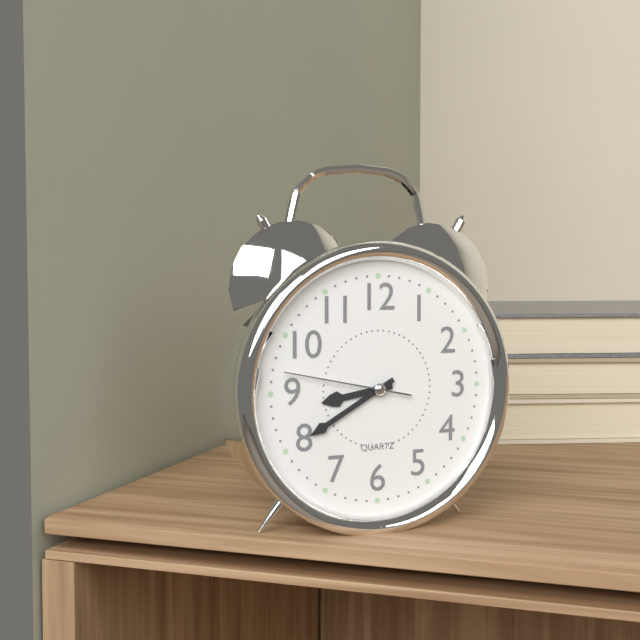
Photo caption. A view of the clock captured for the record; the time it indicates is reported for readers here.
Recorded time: 8:40:47
